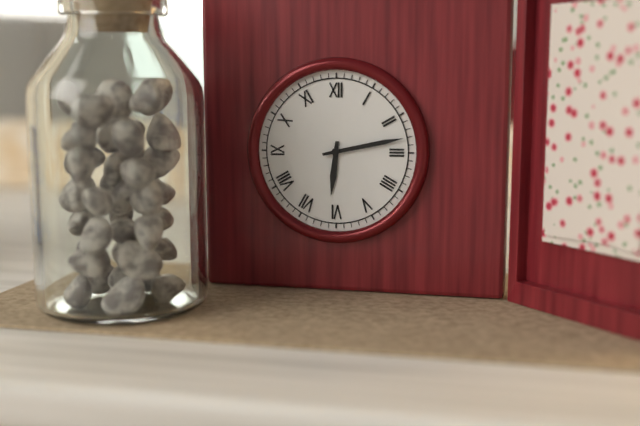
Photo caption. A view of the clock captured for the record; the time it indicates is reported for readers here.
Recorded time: 6:13
